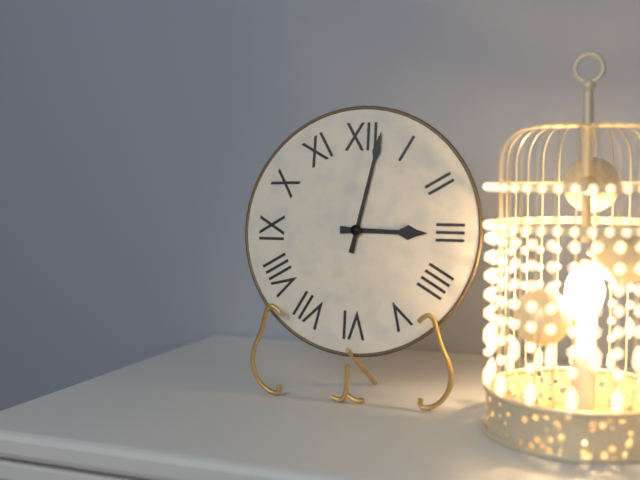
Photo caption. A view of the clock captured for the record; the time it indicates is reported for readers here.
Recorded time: 3:02
